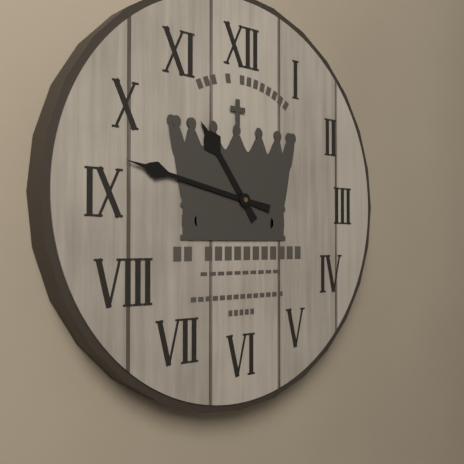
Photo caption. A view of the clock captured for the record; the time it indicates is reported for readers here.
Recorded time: 10:47
